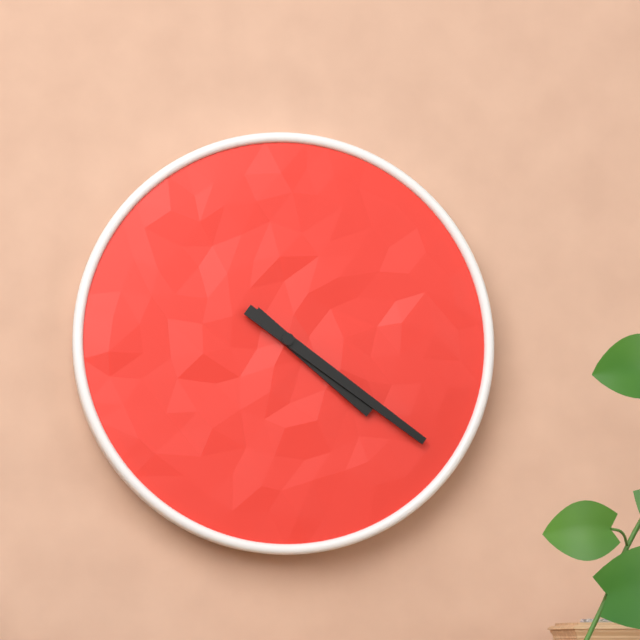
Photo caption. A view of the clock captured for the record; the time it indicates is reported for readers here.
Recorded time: 4:21
